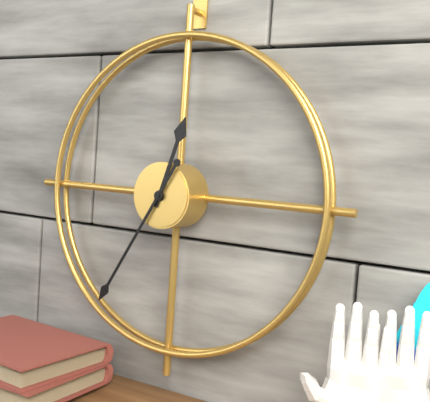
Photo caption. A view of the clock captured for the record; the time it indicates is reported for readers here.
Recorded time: 12:35
